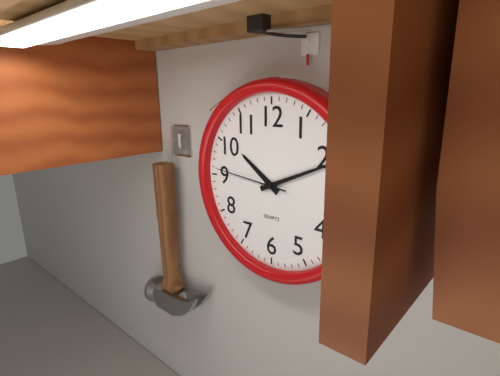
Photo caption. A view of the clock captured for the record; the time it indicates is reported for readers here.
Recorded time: 10:11:46
